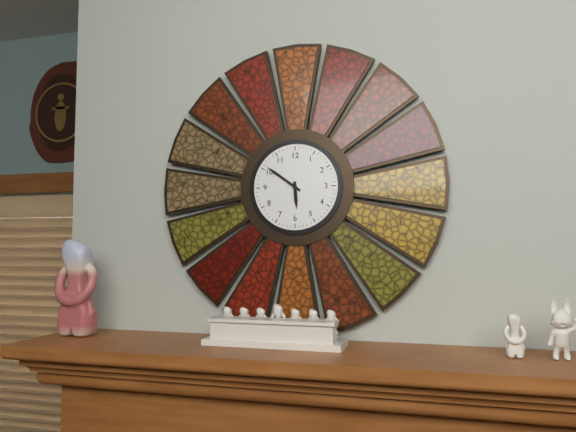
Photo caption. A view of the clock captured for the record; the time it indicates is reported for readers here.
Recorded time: 5:51
